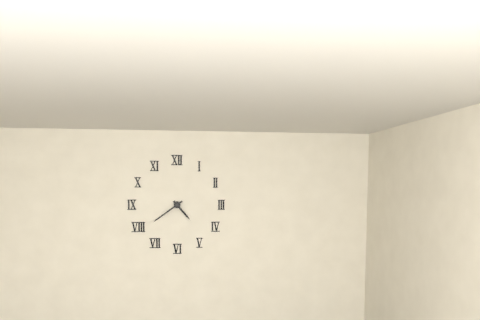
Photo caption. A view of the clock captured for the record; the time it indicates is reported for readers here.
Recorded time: 4:39
